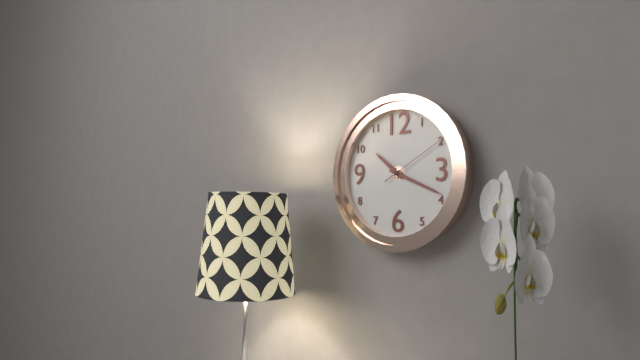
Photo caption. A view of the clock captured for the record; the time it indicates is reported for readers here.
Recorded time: 10:19:10
